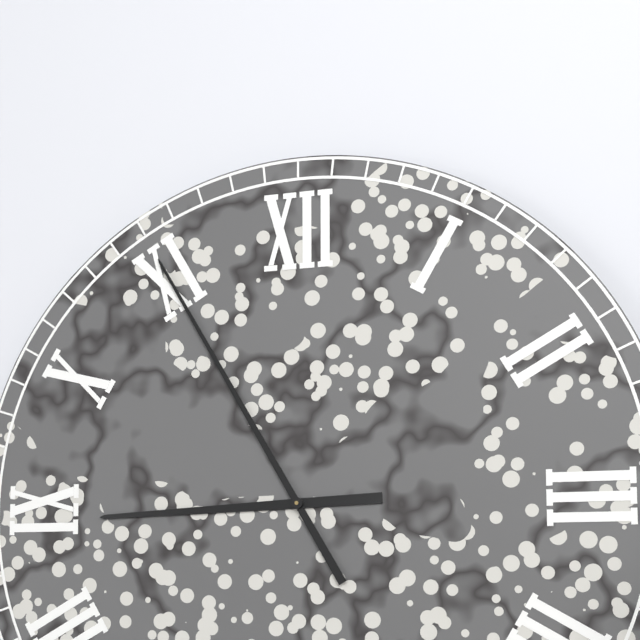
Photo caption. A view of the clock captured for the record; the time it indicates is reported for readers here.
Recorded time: 8:55
